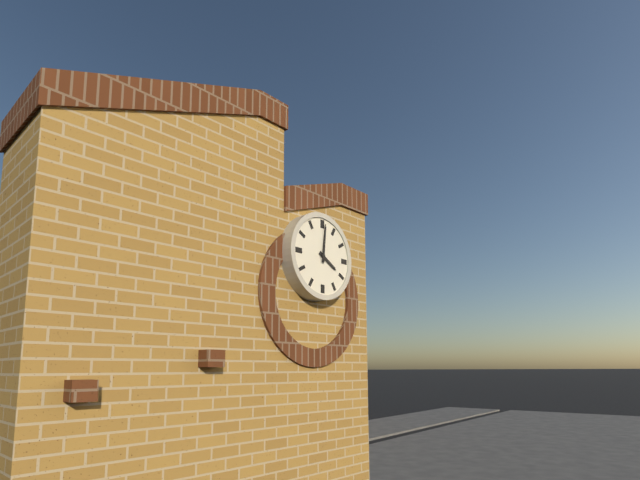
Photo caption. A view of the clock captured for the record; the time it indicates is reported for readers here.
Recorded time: 4:01
